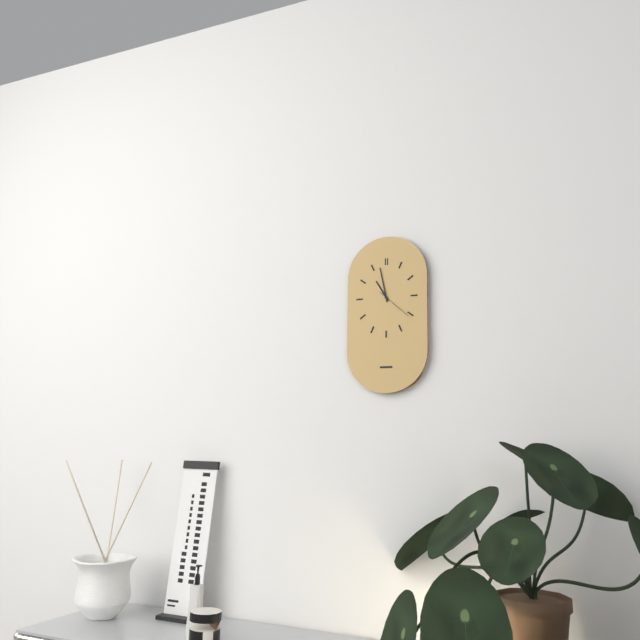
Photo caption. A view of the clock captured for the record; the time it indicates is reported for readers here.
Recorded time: 10:58
